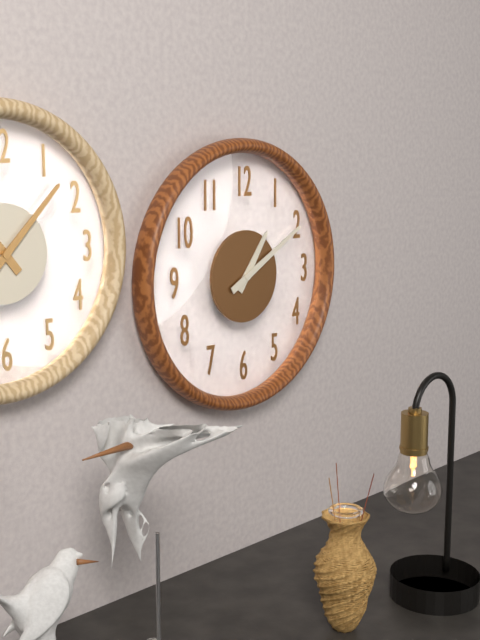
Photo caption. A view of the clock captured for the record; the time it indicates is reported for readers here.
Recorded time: 1:10
